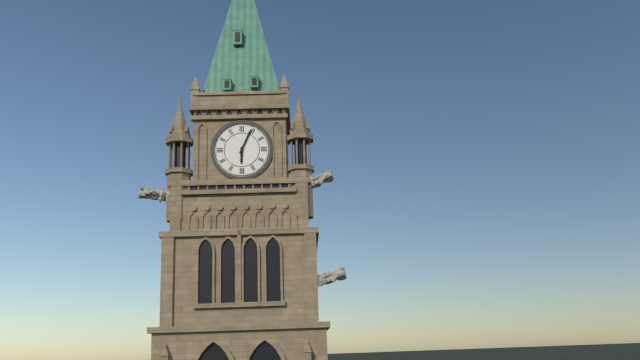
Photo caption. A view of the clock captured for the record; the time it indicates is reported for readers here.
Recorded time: 6:04
